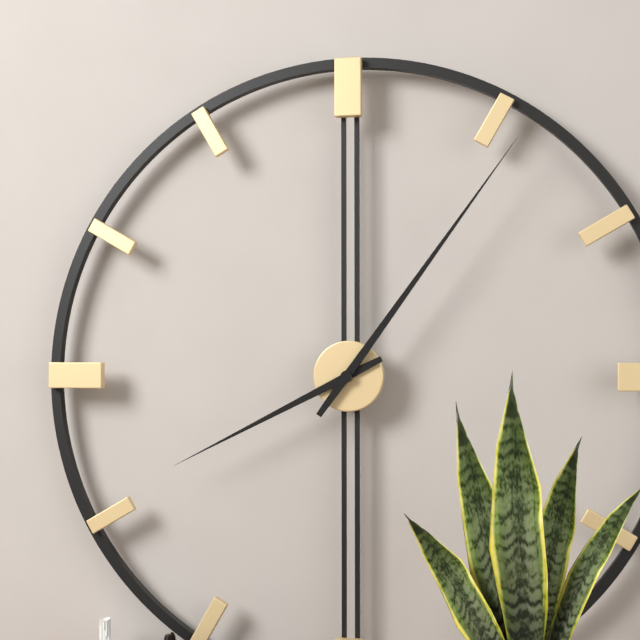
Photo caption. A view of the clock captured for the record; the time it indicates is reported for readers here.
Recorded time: 8:06
